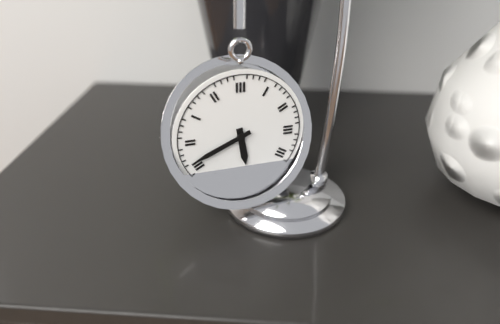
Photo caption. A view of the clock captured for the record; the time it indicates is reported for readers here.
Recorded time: 5:41
